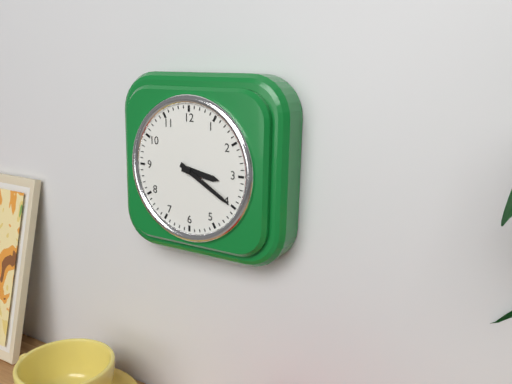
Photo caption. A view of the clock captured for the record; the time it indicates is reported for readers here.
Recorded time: 3:20
